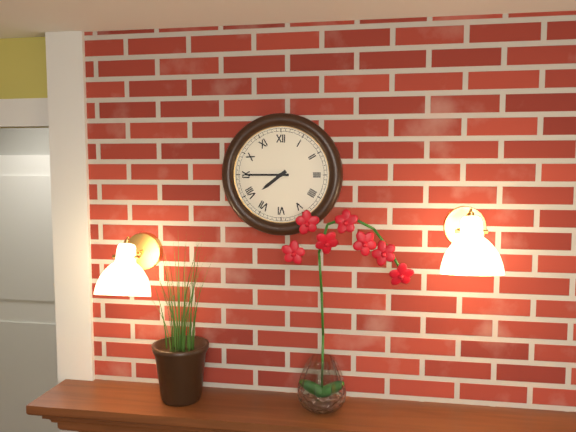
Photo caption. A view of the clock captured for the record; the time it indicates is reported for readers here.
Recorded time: 7:45
